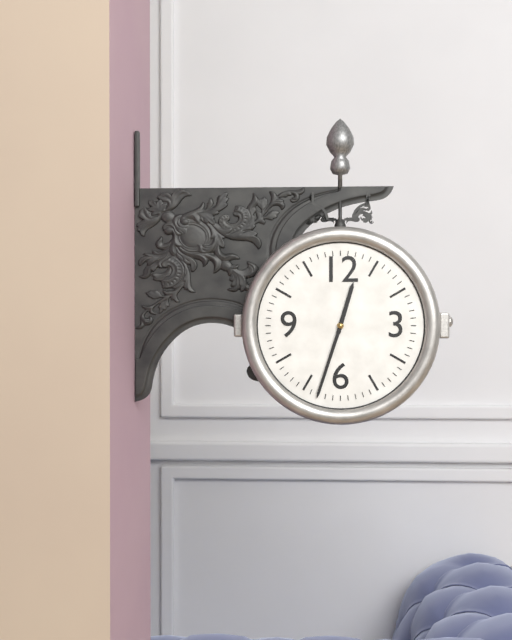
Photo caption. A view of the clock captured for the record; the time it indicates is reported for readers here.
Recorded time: 12:33
